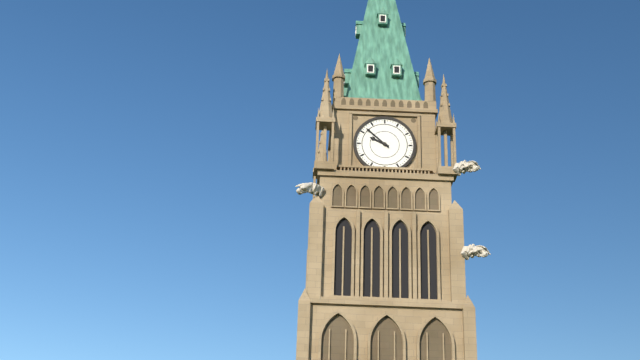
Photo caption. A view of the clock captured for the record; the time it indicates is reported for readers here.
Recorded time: 9:52
